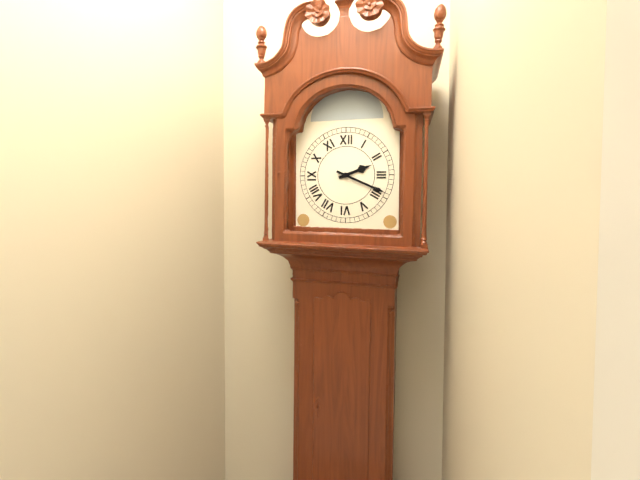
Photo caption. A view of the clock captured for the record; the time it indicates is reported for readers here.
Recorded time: 2:19
